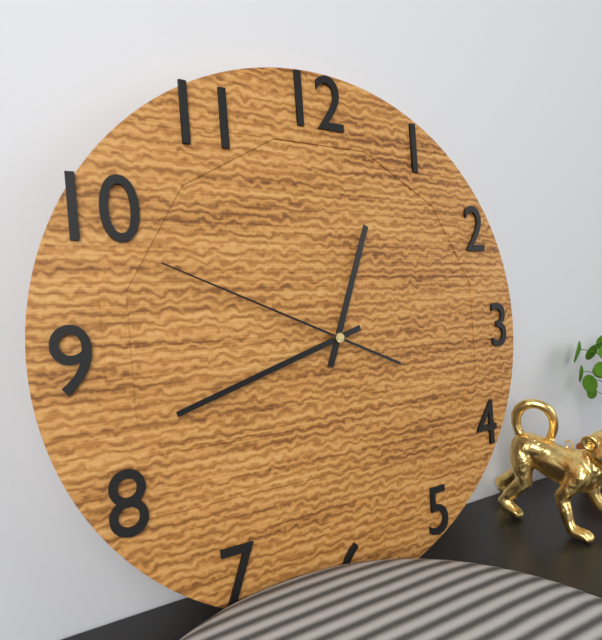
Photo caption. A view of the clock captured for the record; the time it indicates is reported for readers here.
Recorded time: 12:42:49
